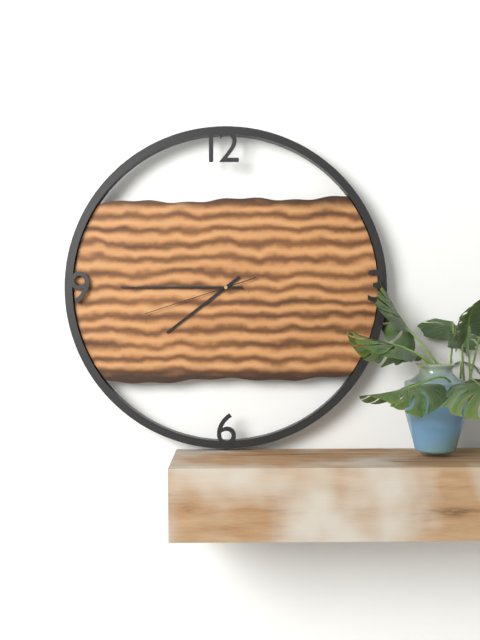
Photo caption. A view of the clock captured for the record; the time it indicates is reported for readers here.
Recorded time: 7:45:42
